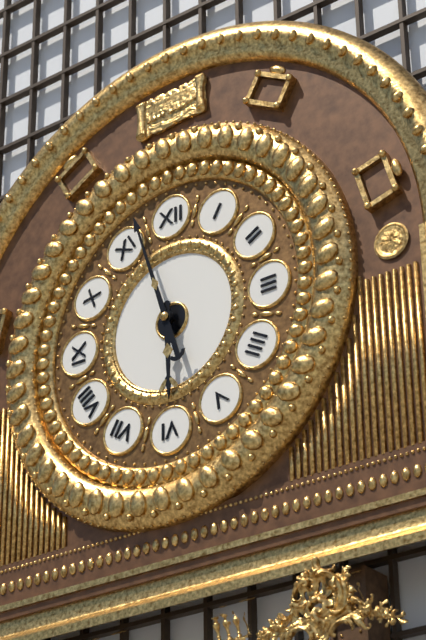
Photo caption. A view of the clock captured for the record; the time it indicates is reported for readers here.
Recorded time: 5:57
